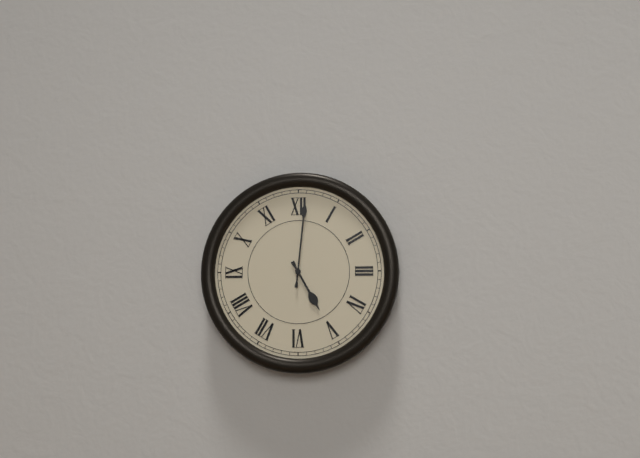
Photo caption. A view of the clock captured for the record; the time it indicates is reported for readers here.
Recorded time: 5:01
